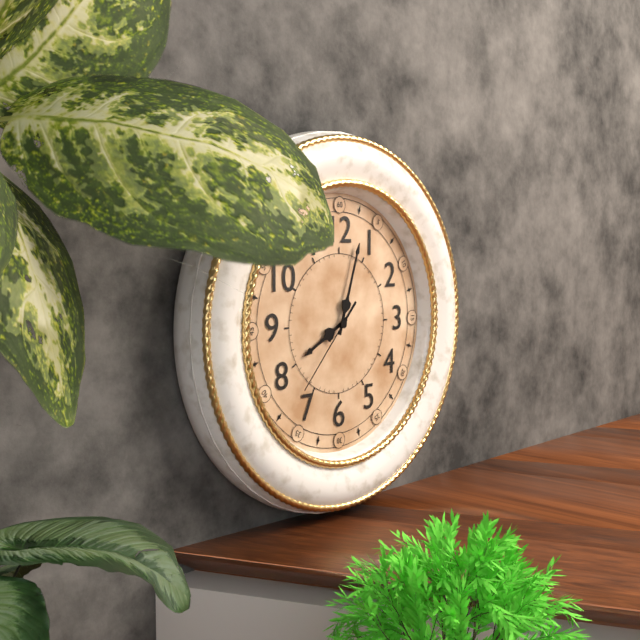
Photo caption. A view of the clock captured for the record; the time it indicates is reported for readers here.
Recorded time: 8:03:37
